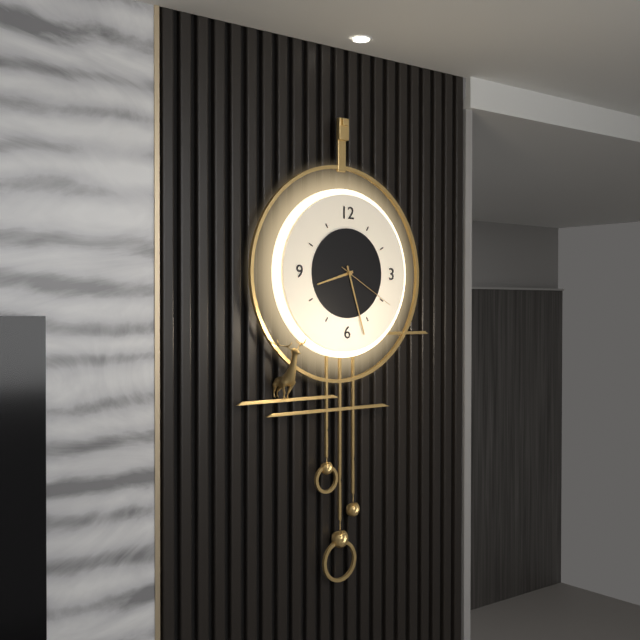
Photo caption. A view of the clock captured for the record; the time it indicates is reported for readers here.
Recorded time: 8:27:20
